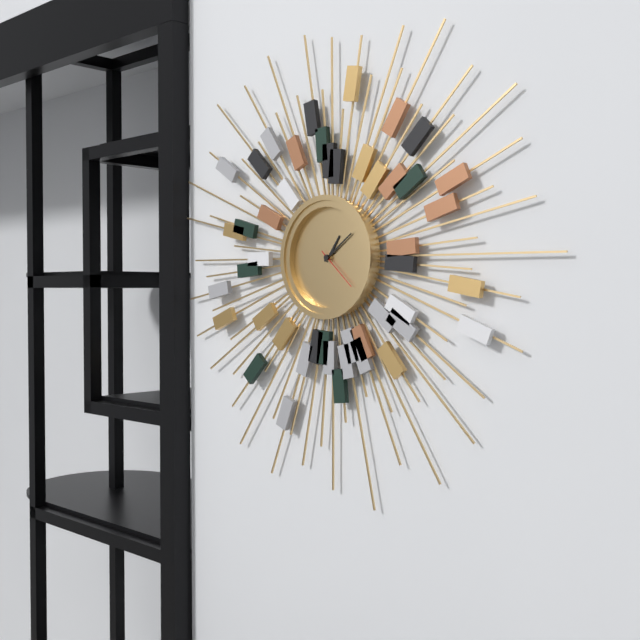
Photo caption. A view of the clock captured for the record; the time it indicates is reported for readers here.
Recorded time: 1:09
